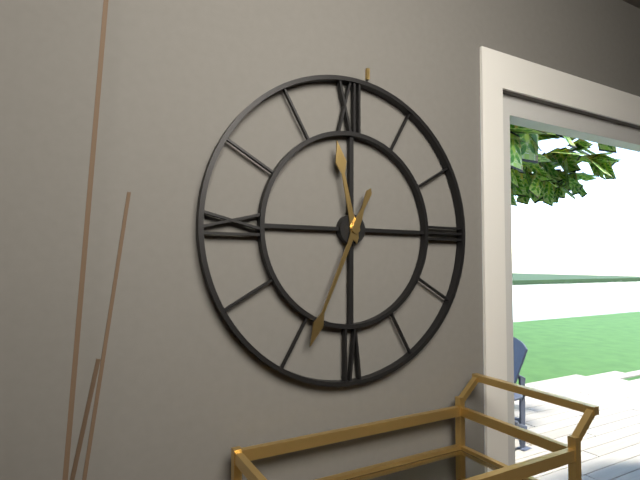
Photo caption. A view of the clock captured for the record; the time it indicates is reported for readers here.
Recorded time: 11:34
